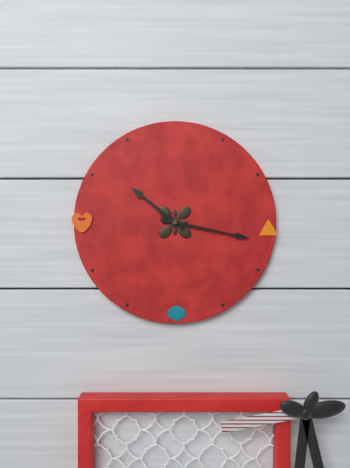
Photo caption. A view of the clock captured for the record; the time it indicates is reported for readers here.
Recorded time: 10:17
